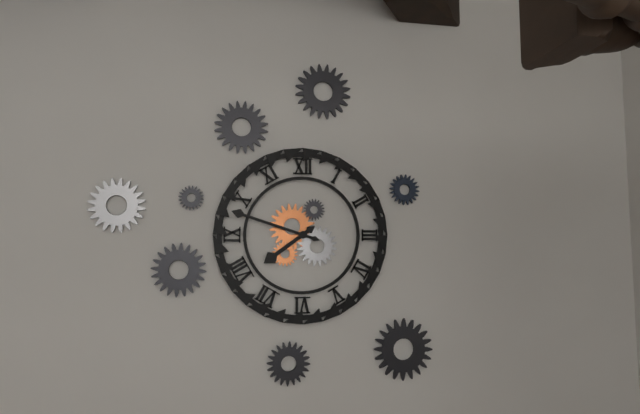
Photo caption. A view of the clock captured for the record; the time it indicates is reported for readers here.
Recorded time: 7:48
